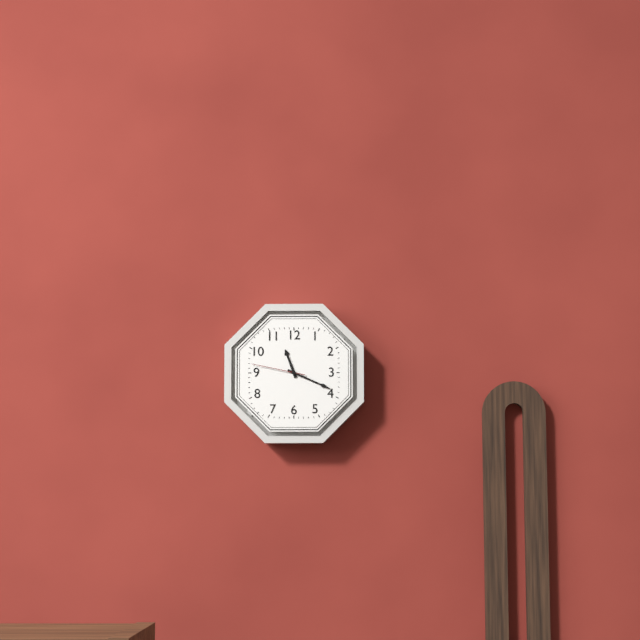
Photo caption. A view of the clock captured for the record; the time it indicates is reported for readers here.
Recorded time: 11:19:47
